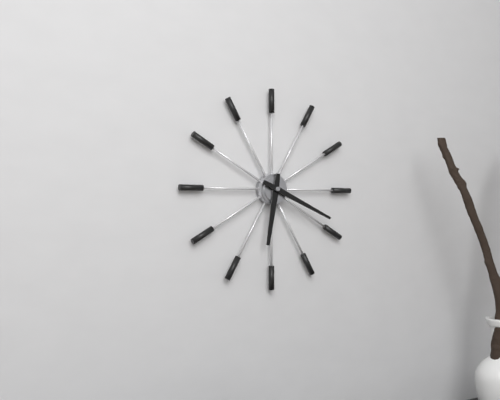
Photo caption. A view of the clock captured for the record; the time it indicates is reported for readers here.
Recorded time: 6:19
